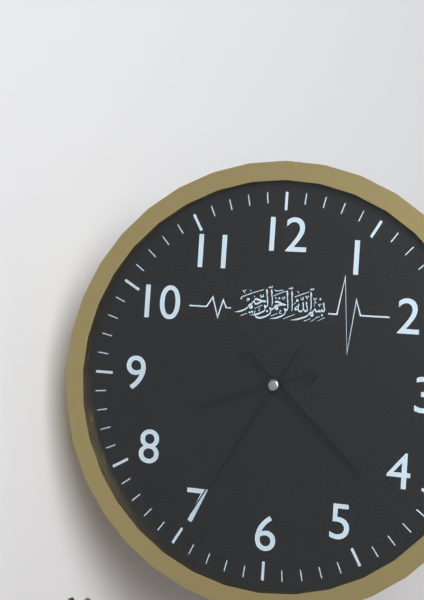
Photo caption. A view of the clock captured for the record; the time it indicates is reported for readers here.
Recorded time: 8:22:35
